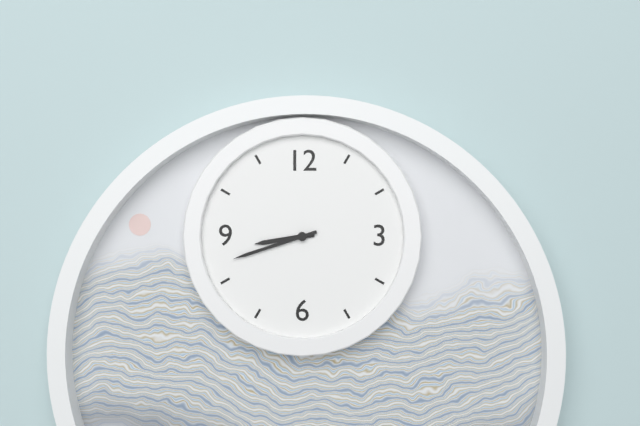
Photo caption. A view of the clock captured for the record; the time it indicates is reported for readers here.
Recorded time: 8:42
